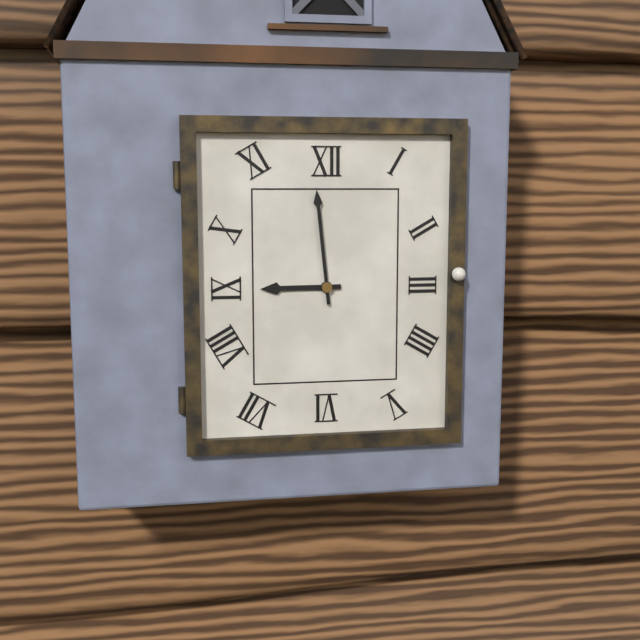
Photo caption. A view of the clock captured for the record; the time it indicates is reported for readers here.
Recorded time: 8:59
